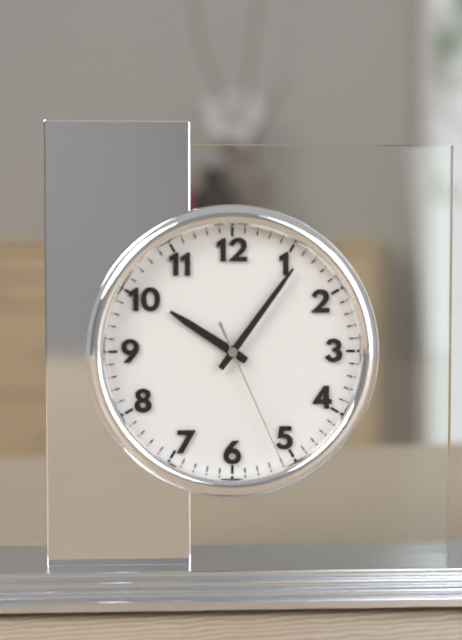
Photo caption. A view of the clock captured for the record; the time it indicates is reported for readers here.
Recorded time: 10:06:26
